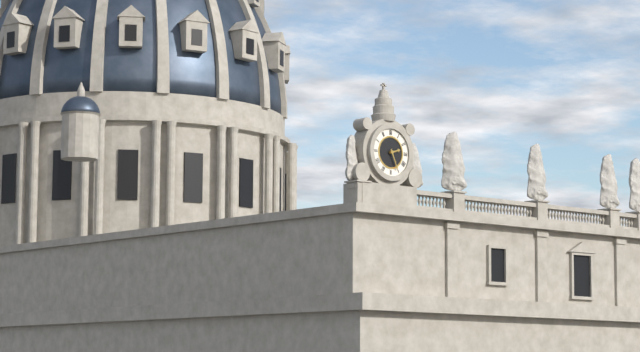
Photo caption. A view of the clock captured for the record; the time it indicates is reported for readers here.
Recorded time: 2:26
